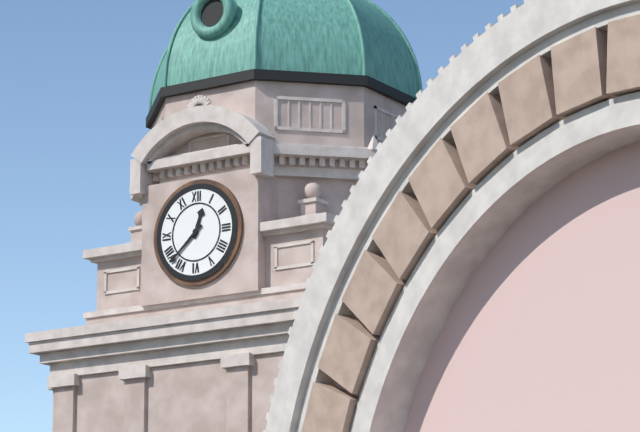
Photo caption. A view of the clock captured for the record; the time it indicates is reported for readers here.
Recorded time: 12:38
